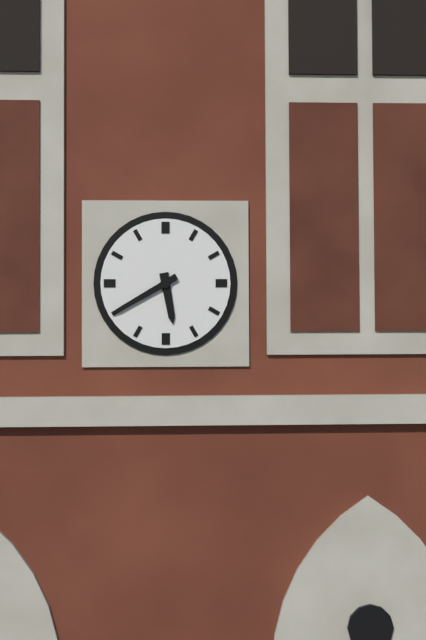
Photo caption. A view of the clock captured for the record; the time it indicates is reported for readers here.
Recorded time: 5:40
